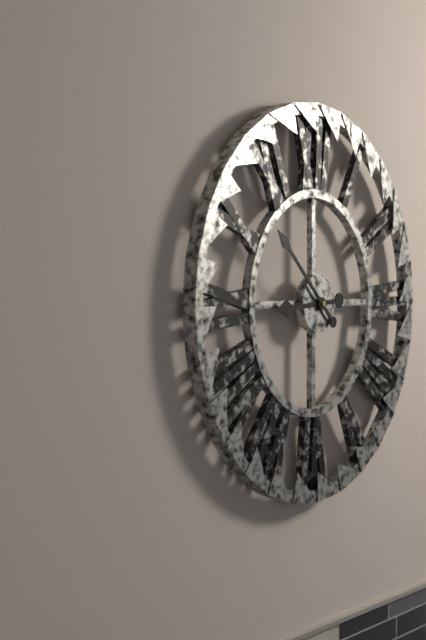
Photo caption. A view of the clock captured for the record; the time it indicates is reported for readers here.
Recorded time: 8:52
